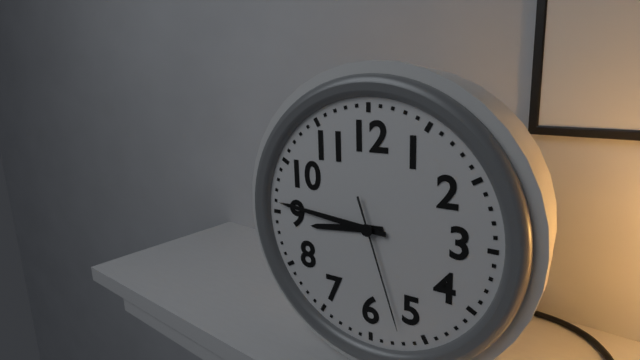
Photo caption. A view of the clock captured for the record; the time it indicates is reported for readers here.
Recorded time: 8:46:27
